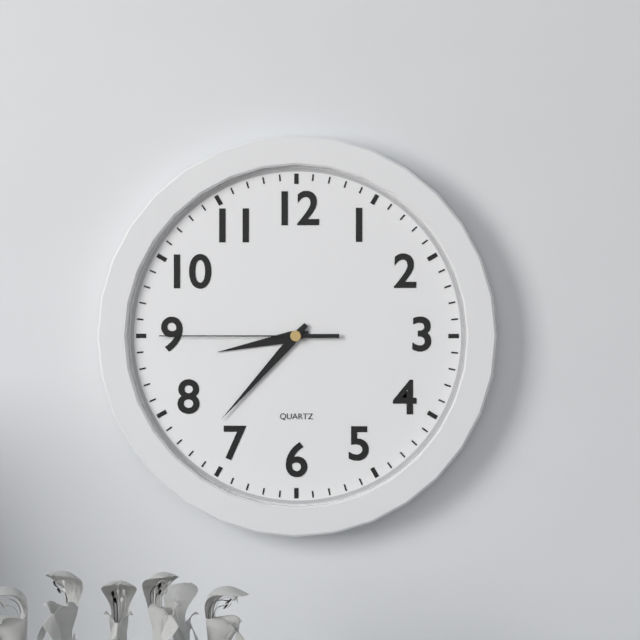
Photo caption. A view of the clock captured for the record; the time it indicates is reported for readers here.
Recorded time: 8:37:45
